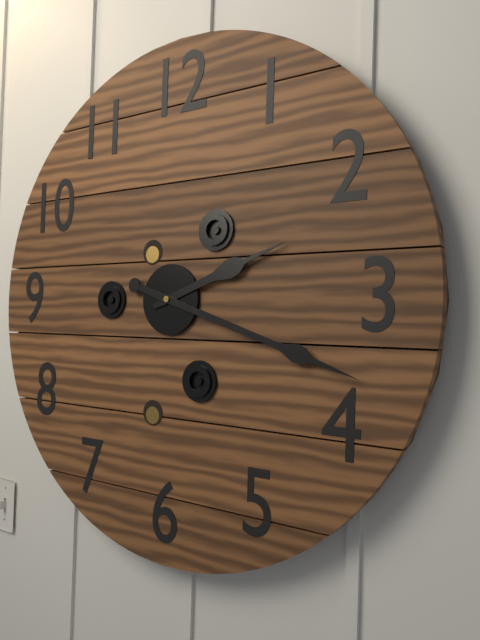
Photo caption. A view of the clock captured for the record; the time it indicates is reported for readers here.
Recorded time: 2:18
